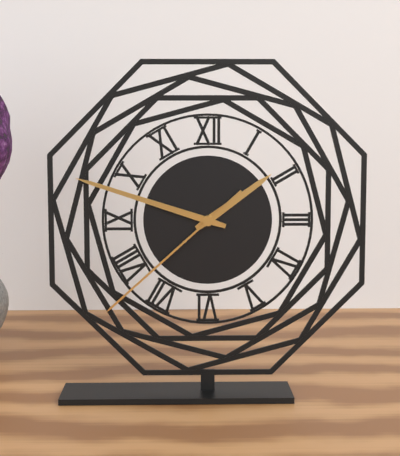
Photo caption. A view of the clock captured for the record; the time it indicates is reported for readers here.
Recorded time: 1:48:38
